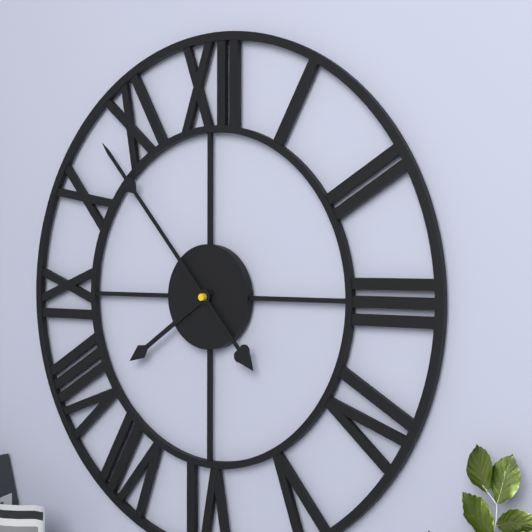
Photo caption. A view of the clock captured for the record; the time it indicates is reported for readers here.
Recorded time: 7:53
